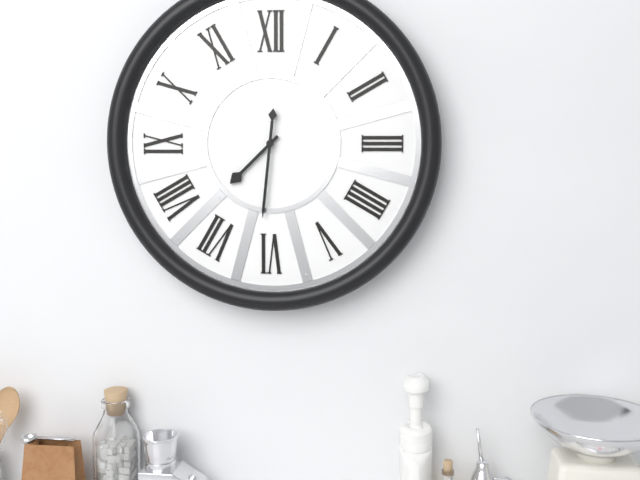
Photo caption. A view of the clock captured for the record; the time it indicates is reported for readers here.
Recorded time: 7:31
